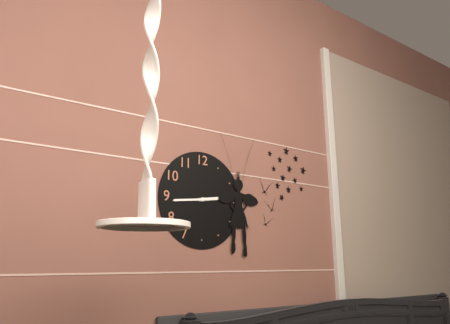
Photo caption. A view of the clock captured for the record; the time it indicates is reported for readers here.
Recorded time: 2:44
